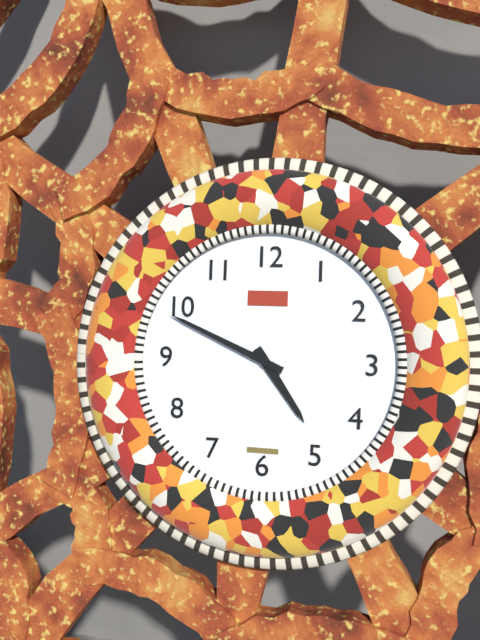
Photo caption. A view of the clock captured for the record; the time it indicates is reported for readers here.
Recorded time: 4:49
